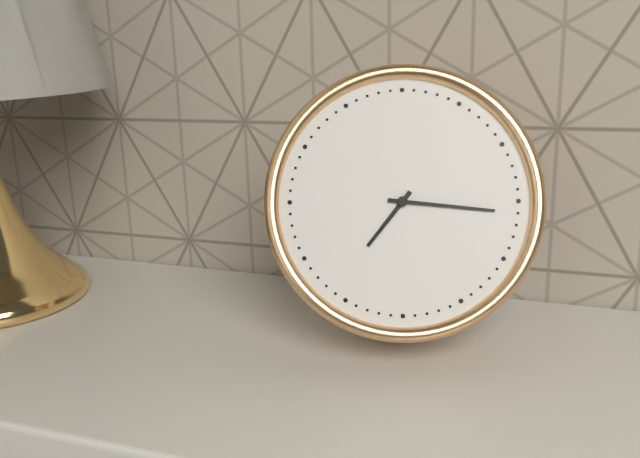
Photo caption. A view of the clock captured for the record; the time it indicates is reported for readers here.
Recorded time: 7:16
